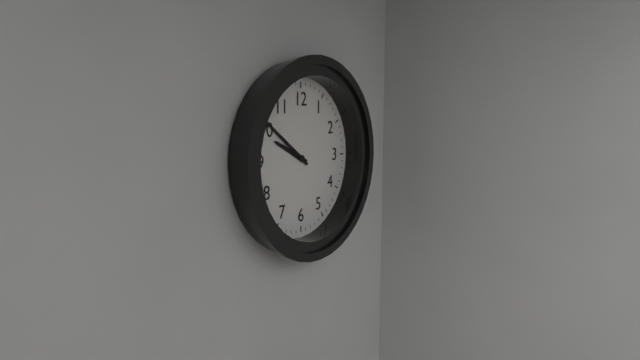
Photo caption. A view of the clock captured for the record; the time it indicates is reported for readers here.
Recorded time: 9:51
